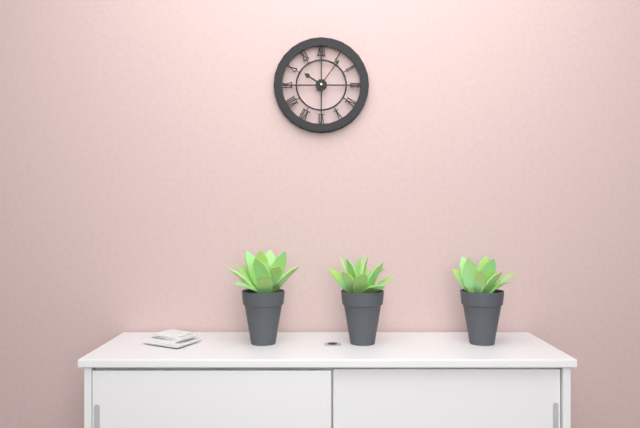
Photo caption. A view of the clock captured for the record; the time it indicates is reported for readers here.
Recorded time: 10:06
